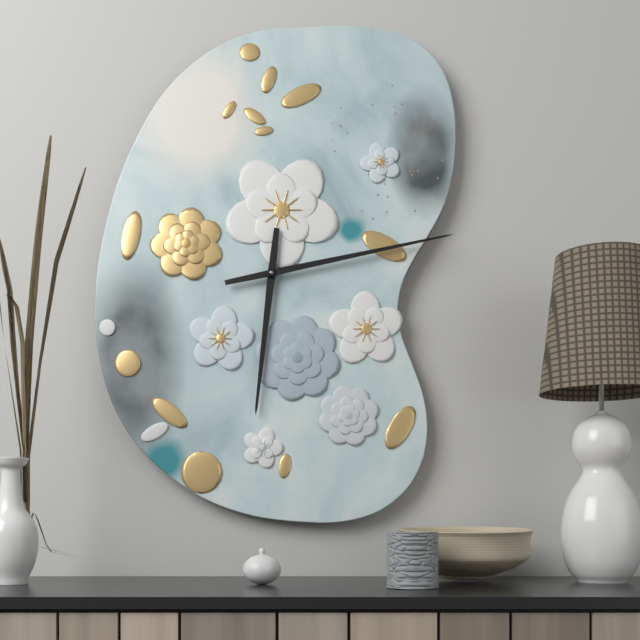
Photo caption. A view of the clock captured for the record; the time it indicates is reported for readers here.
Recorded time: 6:13
